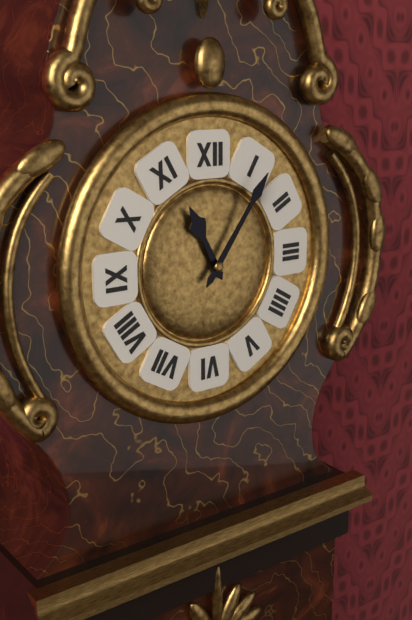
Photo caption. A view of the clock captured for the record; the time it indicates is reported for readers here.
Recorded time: 11:06
